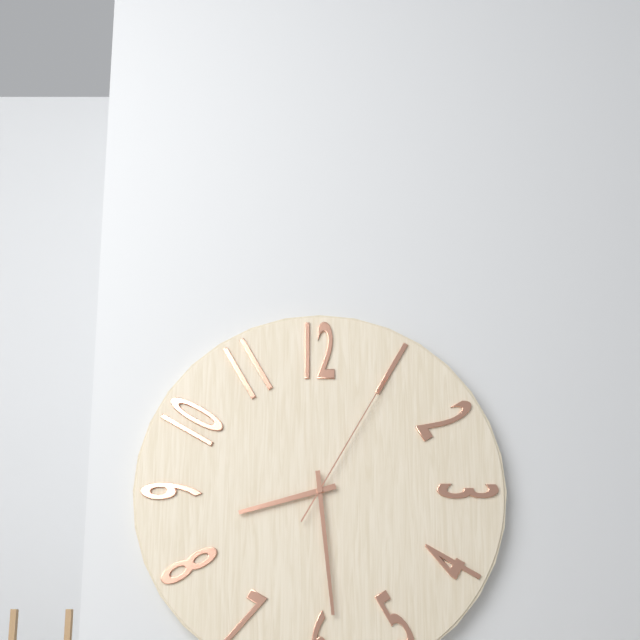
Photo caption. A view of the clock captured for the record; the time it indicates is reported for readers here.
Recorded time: 8:29:05
